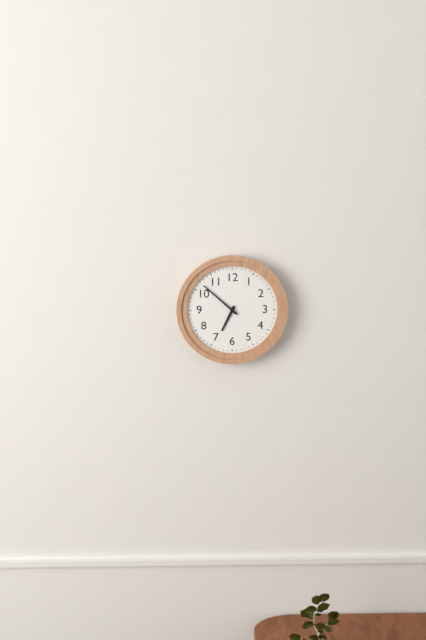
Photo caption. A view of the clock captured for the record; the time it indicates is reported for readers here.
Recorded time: 6:52
